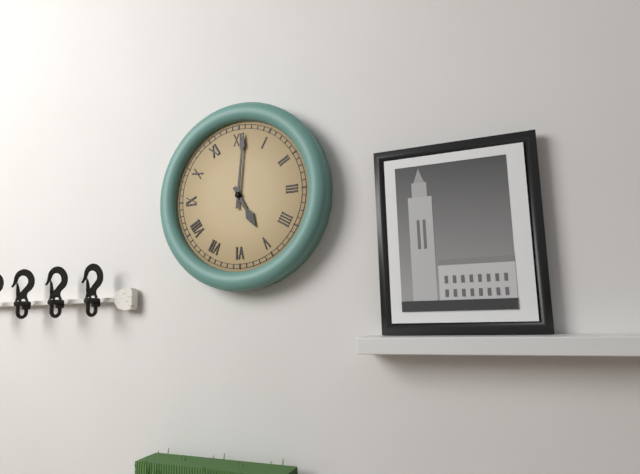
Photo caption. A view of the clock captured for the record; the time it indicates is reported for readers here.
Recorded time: 5:01
